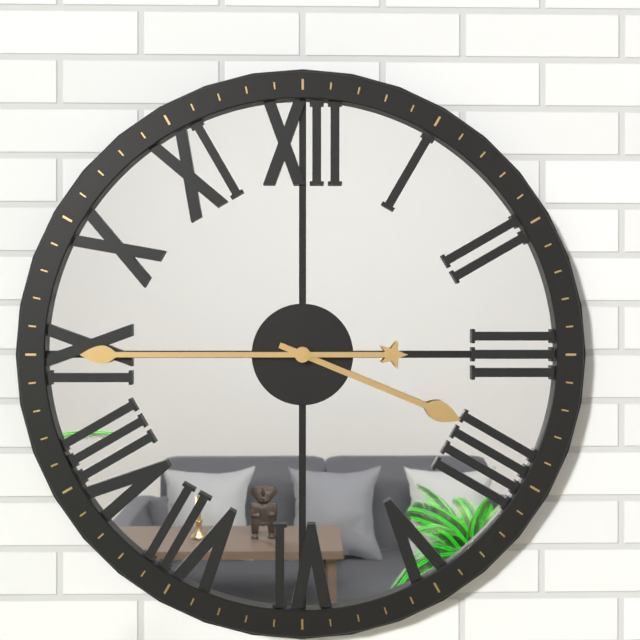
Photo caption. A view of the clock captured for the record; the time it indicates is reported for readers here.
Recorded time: 3:45
